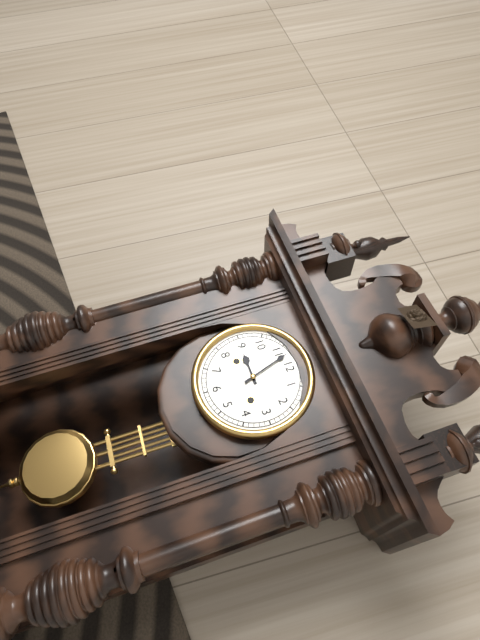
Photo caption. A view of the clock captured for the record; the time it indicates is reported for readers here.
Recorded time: 8:57
